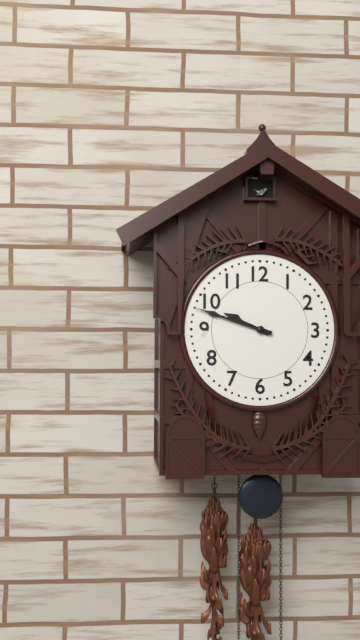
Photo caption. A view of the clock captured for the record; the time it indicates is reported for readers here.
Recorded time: 9:48
